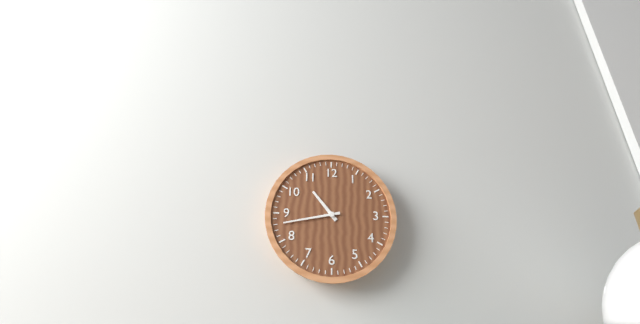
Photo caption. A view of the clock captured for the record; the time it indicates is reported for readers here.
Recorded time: 10:43
